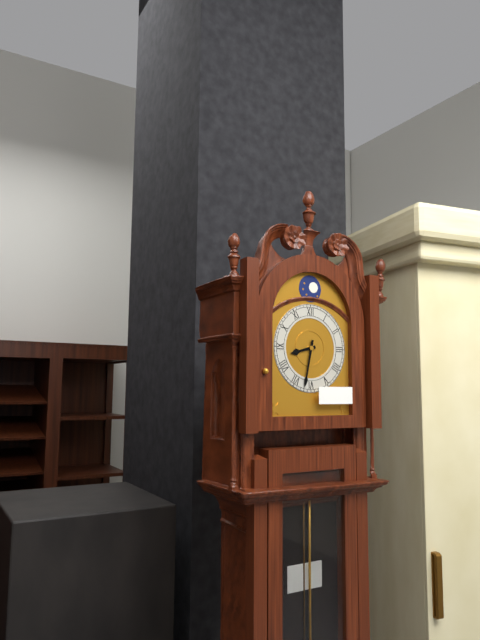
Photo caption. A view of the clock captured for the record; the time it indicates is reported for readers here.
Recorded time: 8:32
